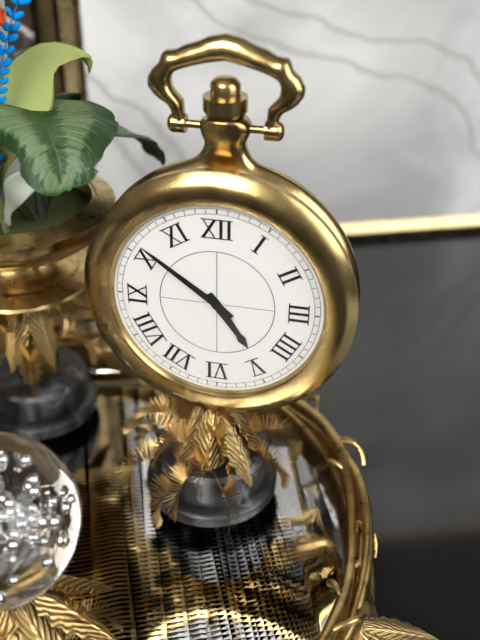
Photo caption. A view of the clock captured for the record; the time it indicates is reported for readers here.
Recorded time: 4:51
